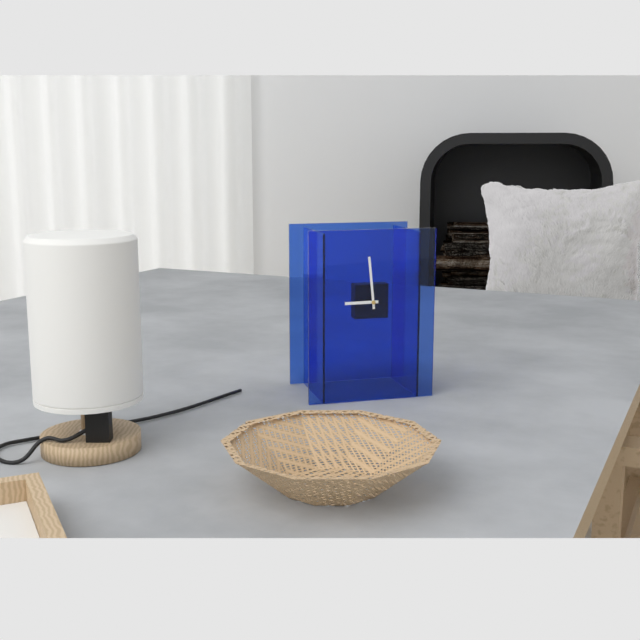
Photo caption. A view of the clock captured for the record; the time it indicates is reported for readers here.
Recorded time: 8:59
